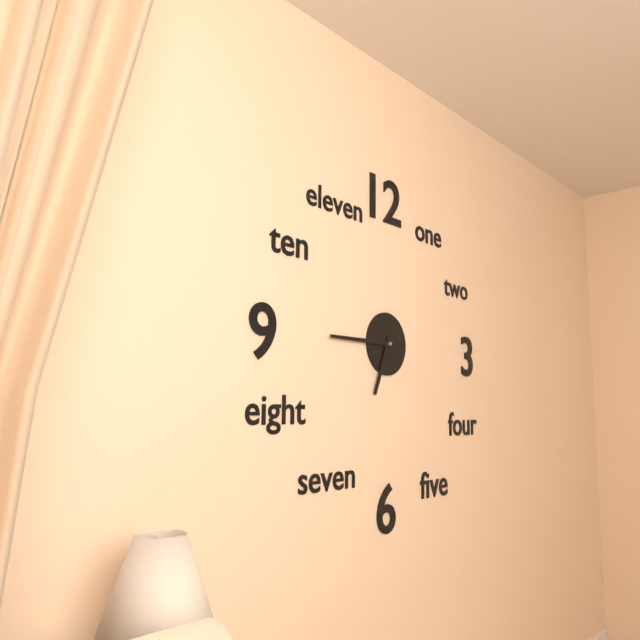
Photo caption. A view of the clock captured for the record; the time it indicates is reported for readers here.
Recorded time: 6:45
